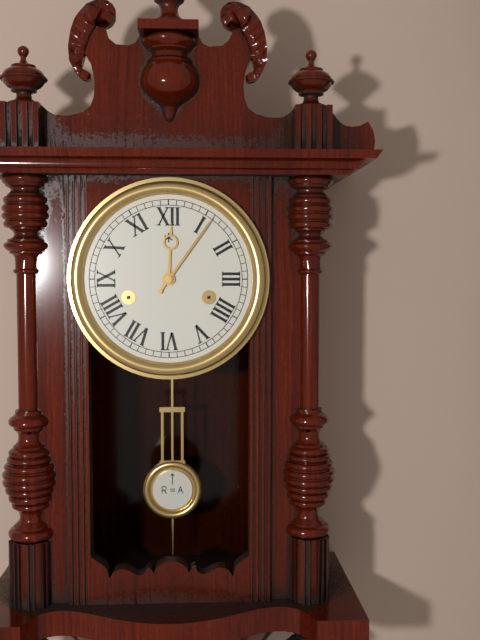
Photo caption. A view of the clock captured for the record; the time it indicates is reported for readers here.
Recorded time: 12:06
